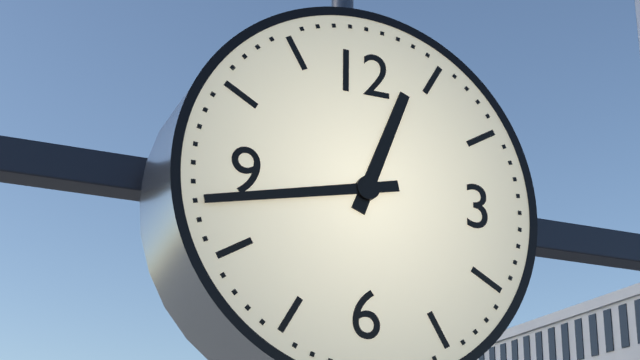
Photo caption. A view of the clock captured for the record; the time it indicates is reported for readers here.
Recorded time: 12:43
